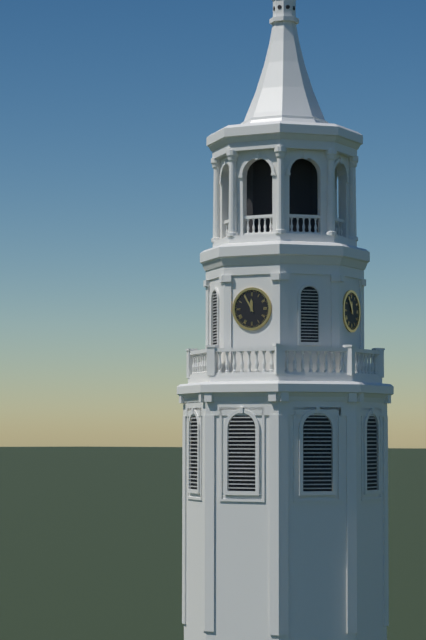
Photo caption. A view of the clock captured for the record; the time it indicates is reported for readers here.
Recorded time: 11:55
